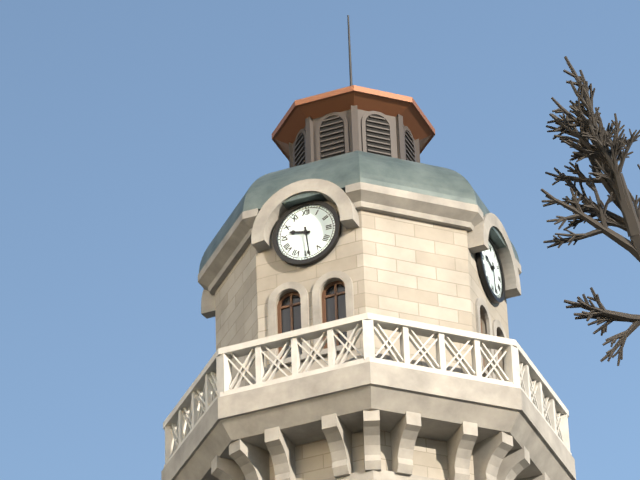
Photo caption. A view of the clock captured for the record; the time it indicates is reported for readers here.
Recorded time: 9:29
